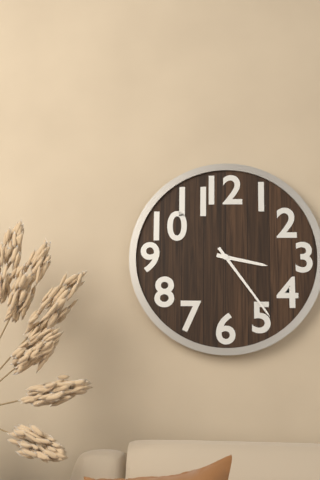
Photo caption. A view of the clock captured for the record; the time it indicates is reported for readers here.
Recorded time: 3:24
